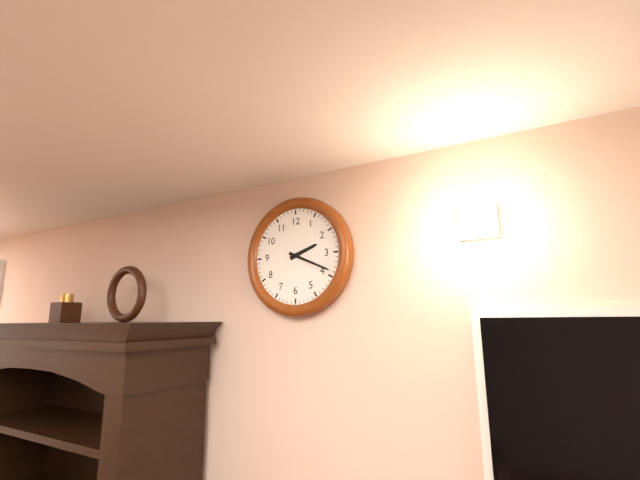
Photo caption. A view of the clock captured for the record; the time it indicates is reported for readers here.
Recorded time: 2:19
